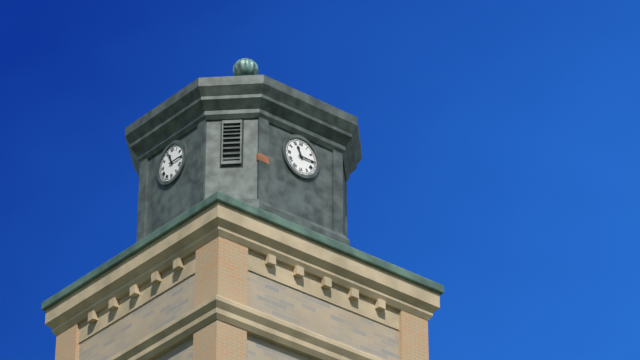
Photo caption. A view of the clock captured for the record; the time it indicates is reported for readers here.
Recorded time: 11:15
